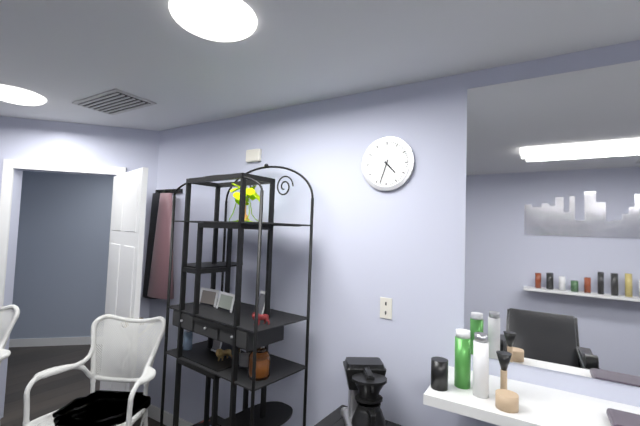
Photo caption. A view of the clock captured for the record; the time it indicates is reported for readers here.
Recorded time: 4:33
